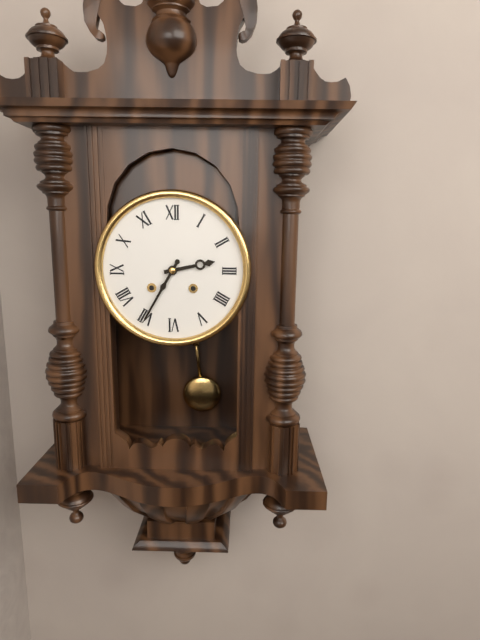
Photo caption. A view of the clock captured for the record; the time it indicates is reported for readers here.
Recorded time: 2:35
